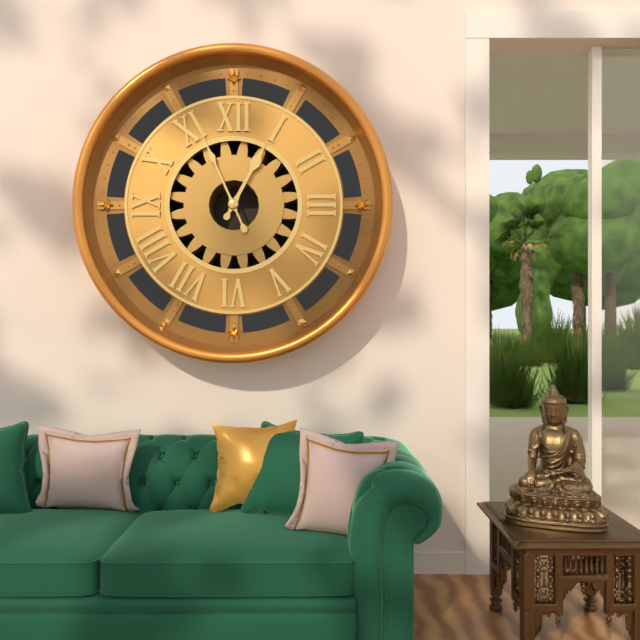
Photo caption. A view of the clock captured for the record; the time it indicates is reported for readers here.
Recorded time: 12:56
